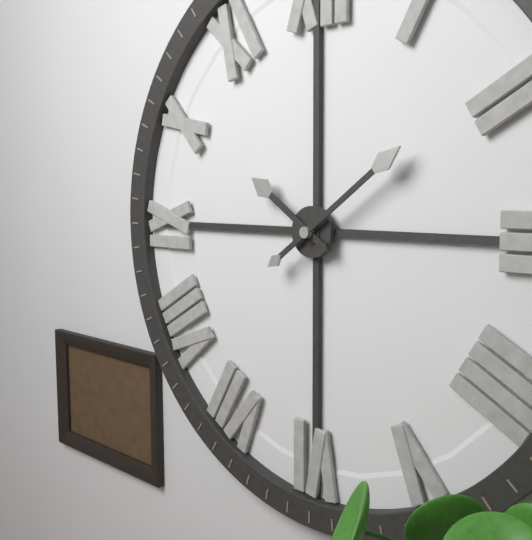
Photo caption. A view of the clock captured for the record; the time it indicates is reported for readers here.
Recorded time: 10:09
